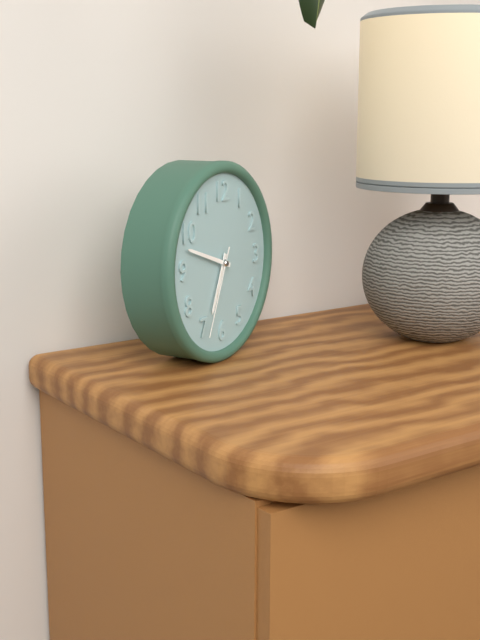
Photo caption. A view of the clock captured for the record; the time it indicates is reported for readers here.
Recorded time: 6:48:34
